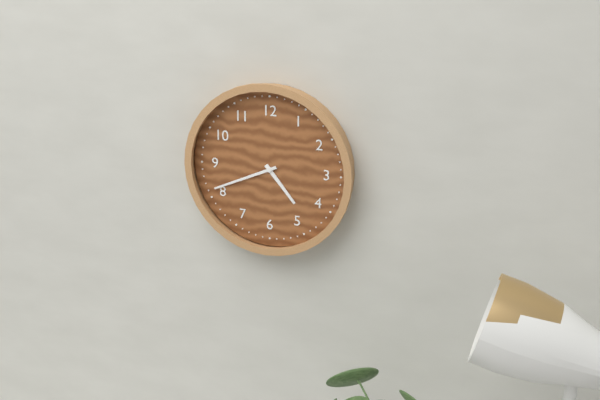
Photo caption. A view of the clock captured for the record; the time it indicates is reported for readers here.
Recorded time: 4:41
